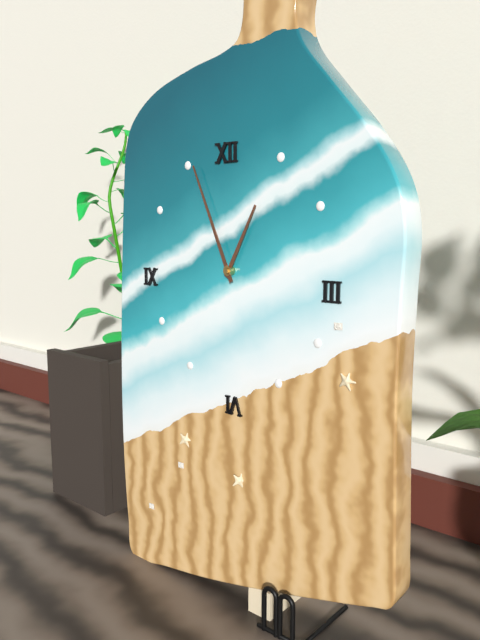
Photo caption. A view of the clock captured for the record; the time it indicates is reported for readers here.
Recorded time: 12:56
